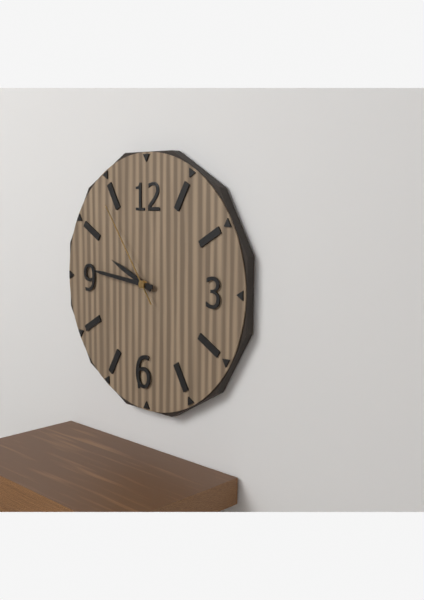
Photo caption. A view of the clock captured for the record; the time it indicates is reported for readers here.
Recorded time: 9:46:54
